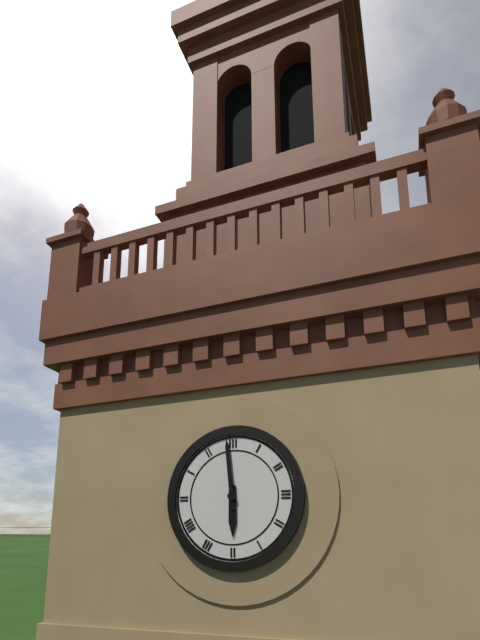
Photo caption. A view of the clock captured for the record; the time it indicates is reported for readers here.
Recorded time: 5:59
